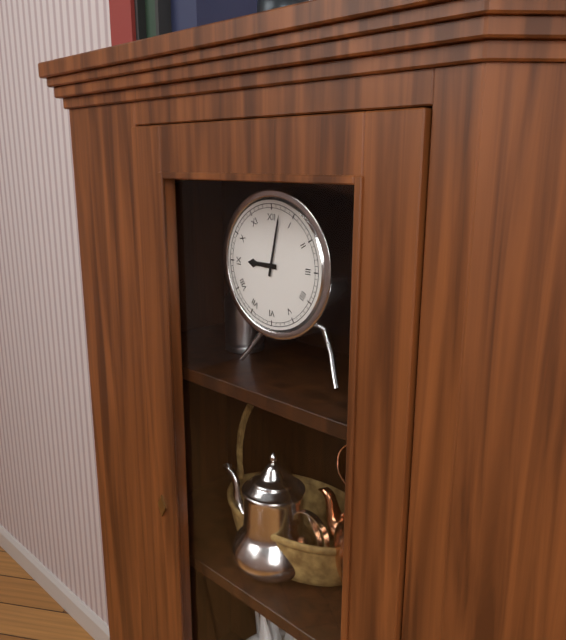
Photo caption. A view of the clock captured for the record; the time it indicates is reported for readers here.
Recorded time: 9:02
